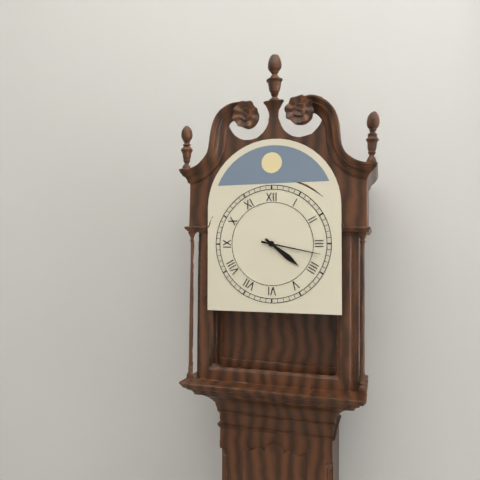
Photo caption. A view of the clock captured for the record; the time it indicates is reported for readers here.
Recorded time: 4:17
